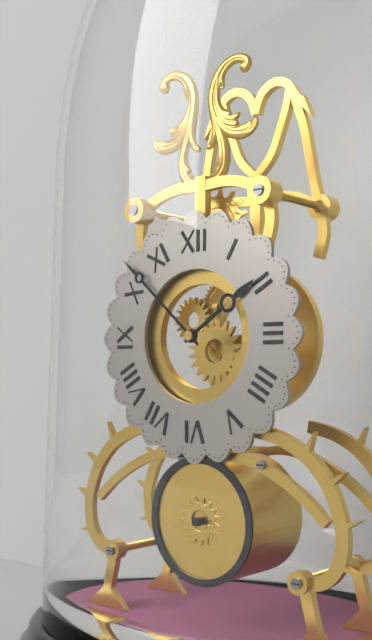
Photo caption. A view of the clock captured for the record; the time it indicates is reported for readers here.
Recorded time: 1:52
